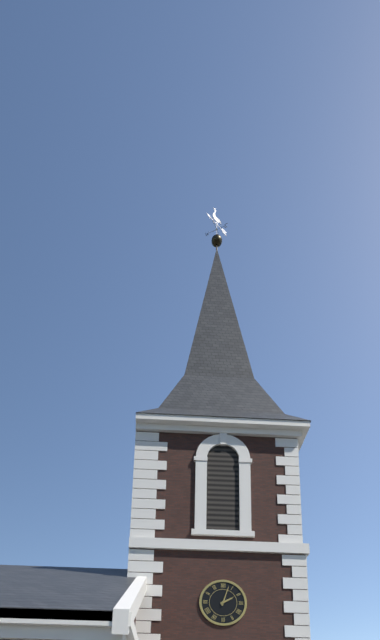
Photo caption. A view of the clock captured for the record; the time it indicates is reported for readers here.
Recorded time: 2:03
